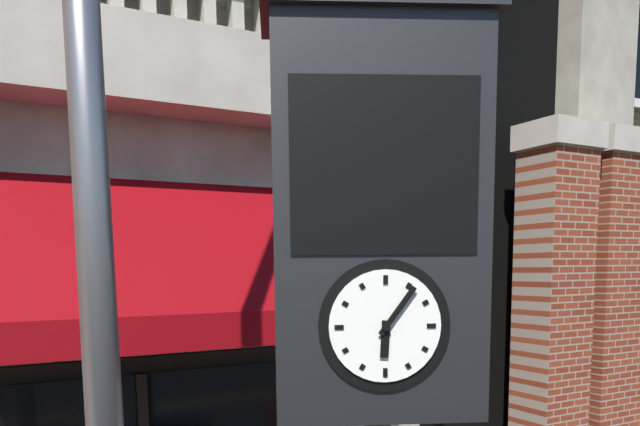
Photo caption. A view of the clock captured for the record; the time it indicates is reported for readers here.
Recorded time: 6:06
